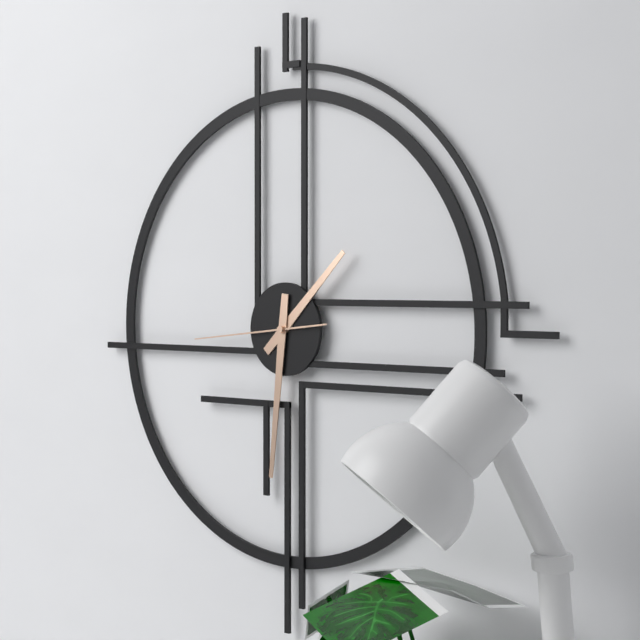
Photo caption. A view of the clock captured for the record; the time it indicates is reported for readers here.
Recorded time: 1:31:44
